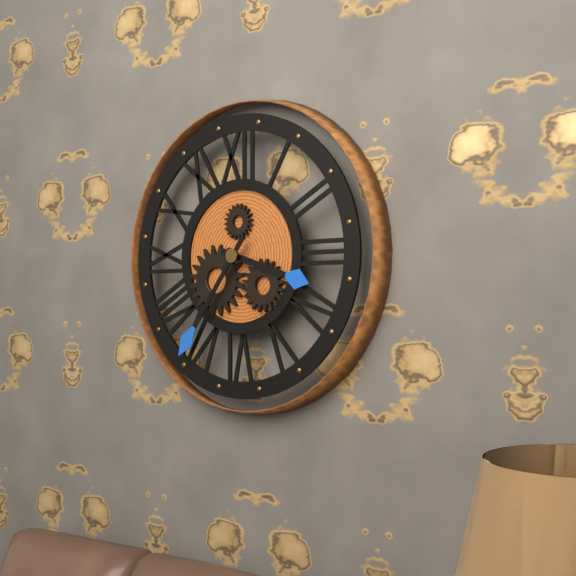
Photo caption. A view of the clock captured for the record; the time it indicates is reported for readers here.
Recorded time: 3:36
